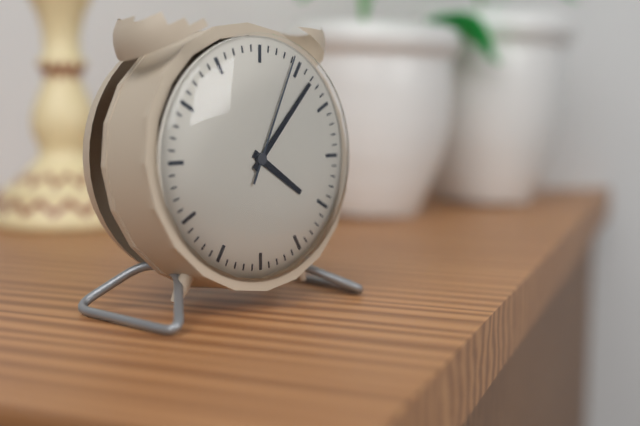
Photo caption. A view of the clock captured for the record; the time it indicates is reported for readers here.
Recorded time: 4:07:04
